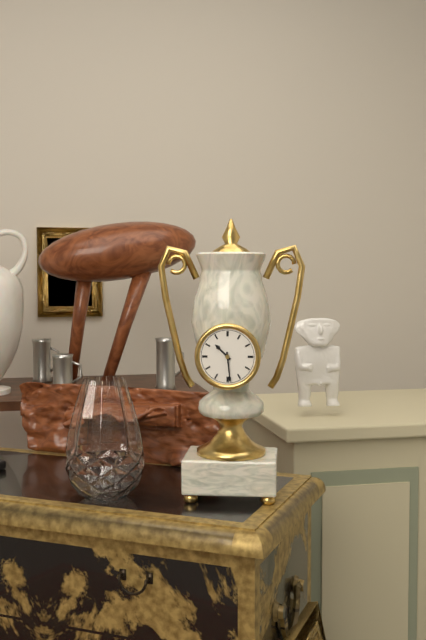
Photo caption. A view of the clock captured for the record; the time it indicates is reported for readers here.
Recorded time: 10:29
